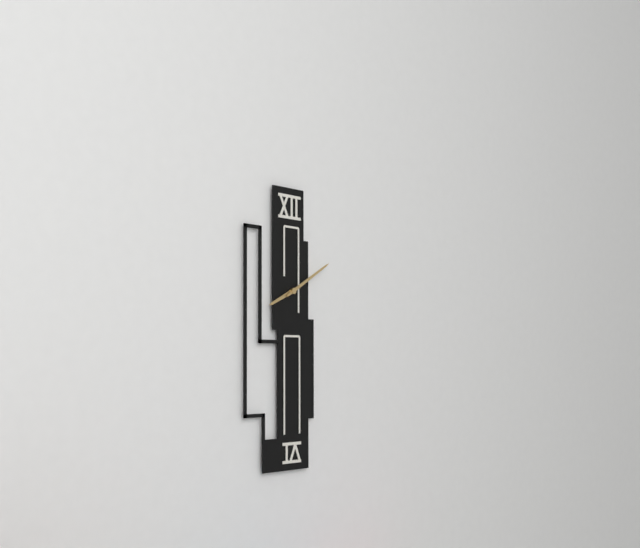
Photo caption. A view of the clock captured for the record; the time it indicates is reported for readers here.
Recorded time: 8:10
